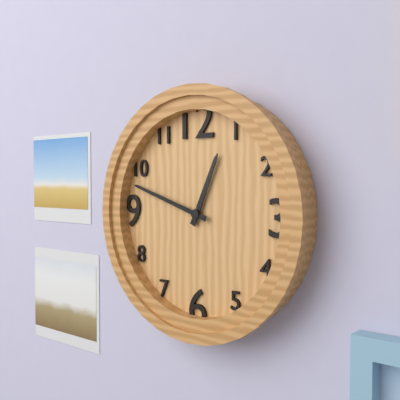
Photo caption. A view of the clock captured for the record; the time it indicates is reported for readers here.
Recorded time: 12:48
